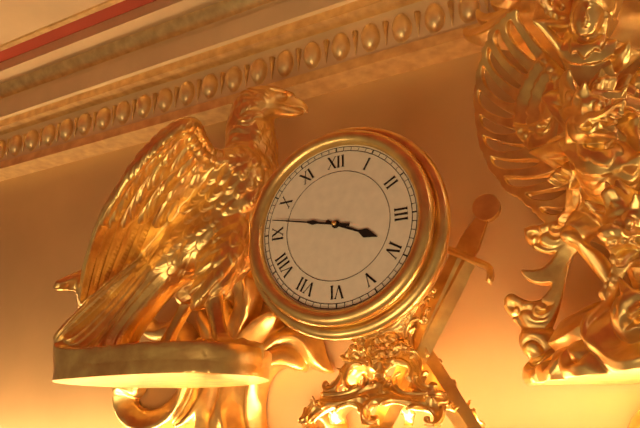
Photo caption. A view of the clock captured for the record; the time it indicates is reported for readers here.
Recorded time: 3:47
